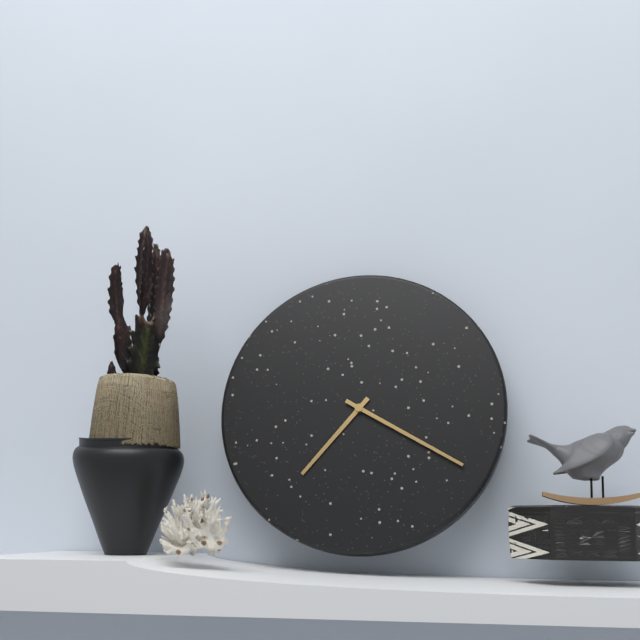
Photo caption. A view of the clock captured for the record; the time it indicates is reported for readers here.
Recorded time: 7:20
